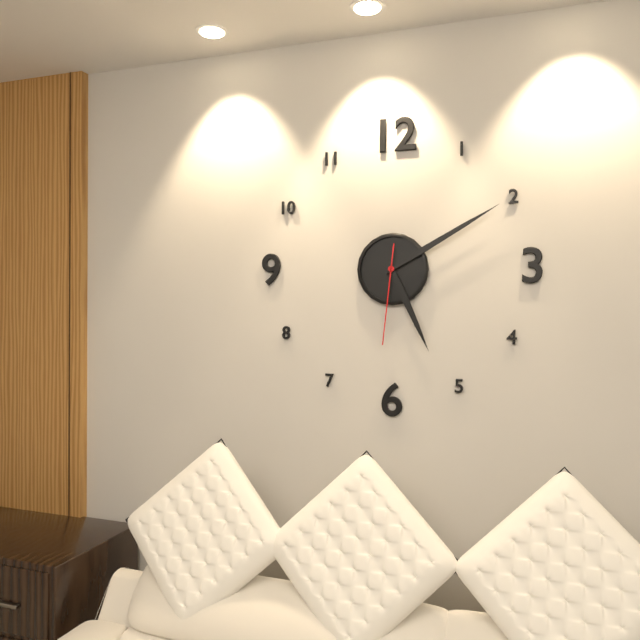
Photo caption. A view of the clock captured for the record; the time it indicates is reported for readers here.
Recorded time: 5:10:31
